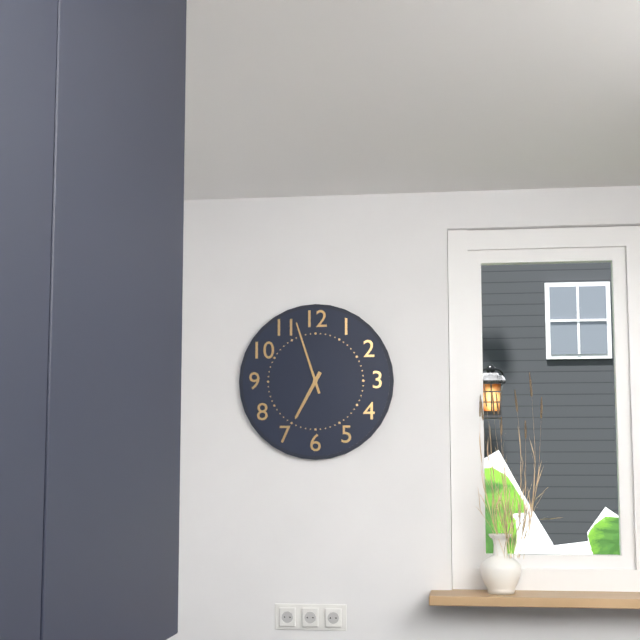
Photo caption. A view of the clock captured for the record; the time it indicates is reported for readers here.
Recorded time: 6:57
